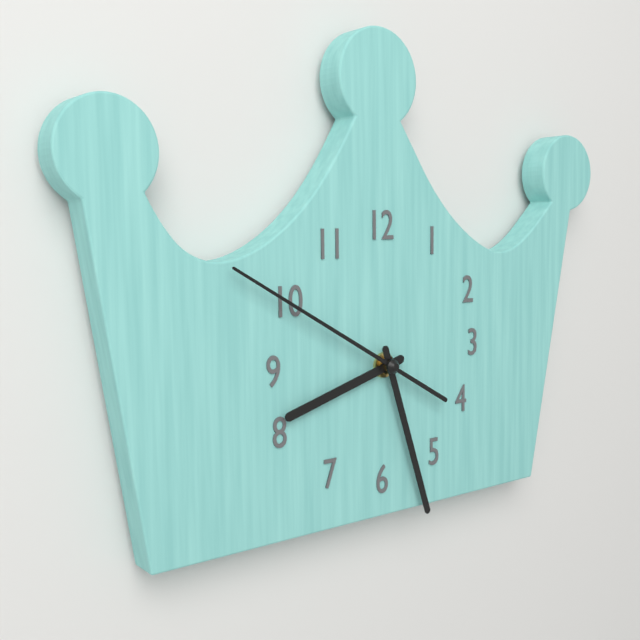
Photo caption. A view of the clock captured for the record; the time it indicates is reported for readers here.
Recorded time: 8:27:50
